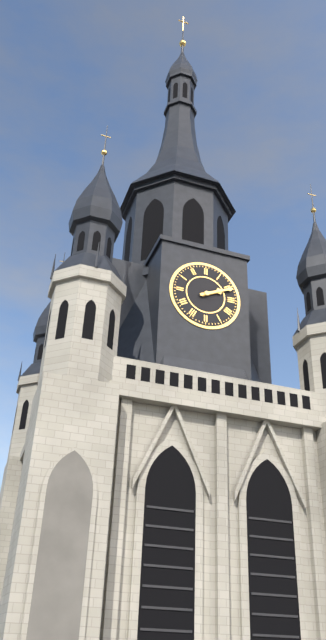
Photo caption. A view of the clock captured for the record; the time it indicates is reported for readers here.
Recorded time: 2:11
